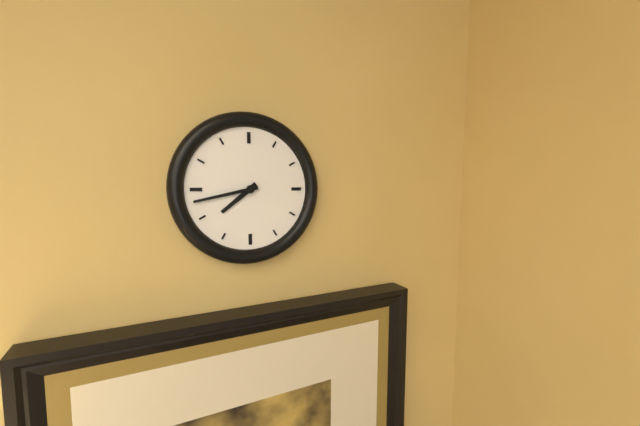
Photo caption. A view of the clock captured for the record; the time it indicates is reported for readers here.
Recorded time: 7:43
